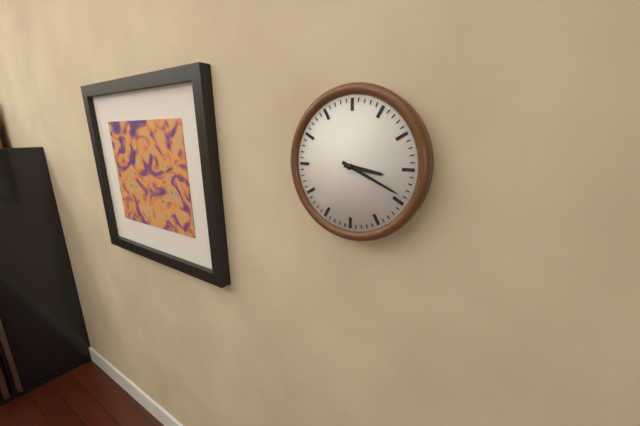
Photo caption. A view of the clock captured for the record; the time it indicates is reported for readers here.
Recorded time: 3:19
